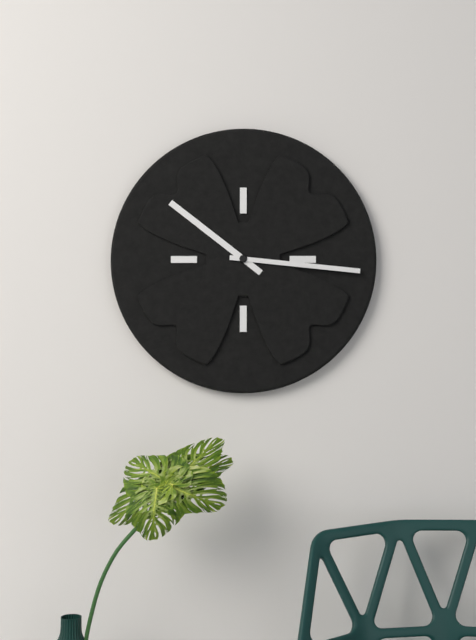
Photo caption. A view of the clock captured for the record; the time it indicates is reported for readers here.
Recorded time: 10:16
